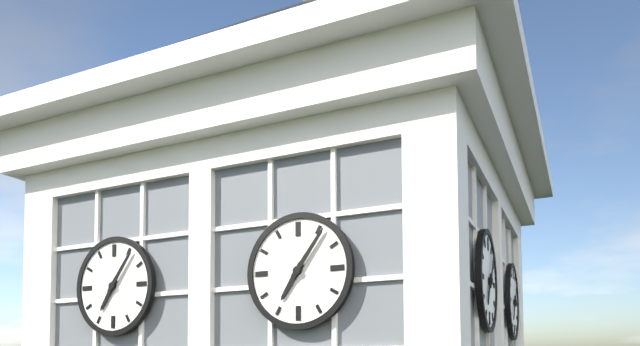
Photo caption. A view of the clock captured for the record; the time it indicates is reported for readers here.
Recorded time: 7:06
